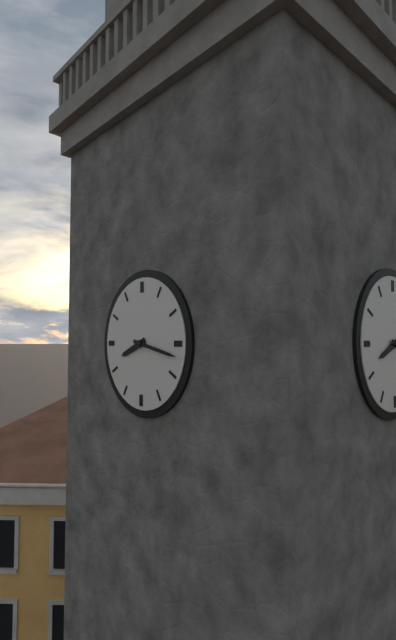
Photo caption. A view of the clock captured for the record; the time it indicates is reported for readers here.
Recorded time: 8:17
